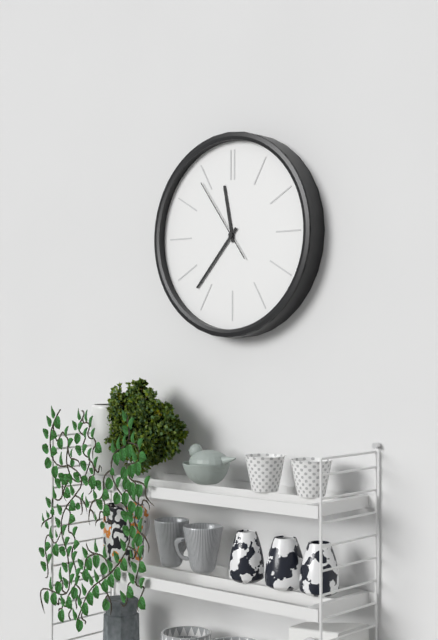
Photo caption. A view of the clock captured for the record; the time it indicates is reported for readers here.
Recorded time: 11:37:54
